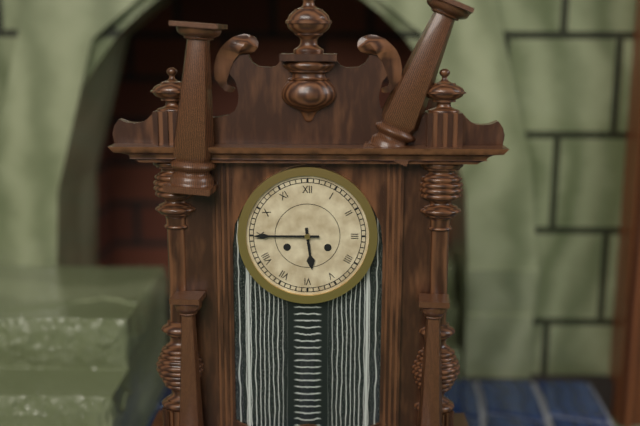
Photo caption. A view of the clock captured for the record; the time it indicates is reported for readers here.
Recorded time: 5:45
